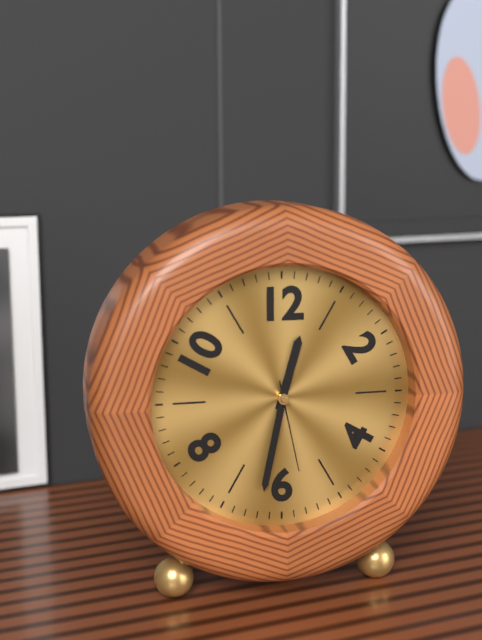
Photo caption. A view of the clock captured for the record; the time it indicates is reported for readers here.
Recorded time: 12:32:28
